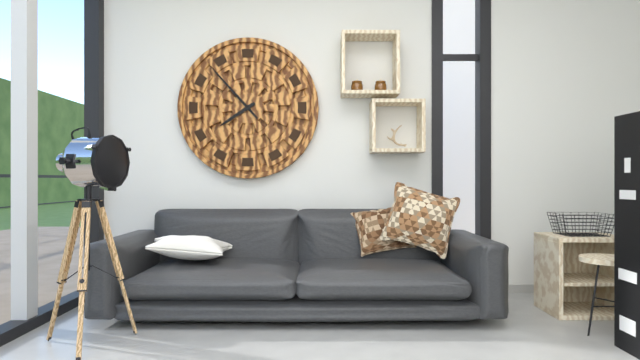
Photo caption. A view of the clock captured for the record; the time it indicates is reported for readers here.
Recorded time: 7:53
